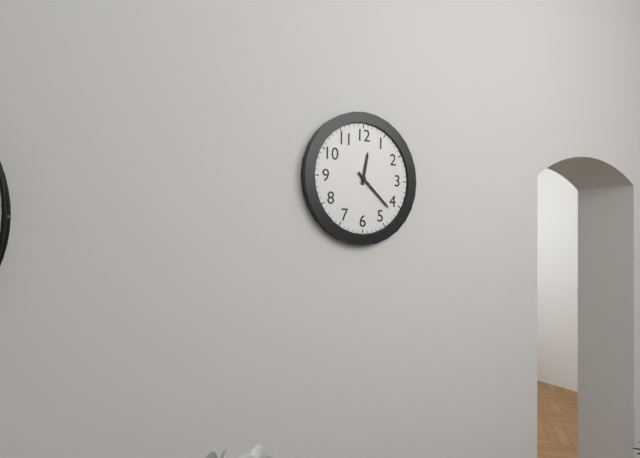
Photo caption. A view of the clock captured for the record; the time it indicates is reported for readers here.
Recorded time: 12:22
